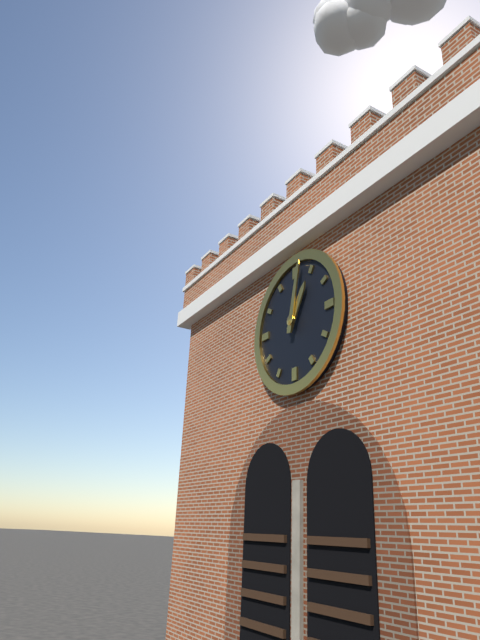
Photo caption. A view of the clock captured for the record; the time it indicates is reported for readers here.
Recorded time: 1:02
